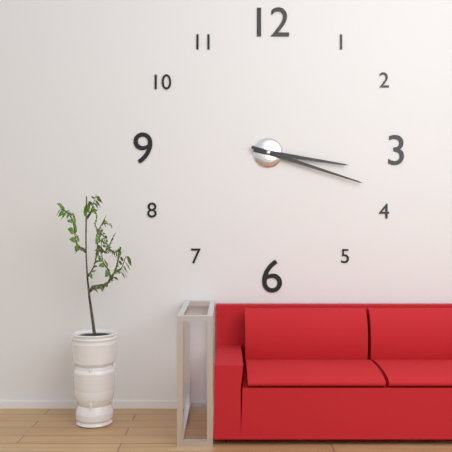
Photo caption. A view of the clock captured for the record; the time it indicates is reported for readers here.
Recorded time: 3:18
